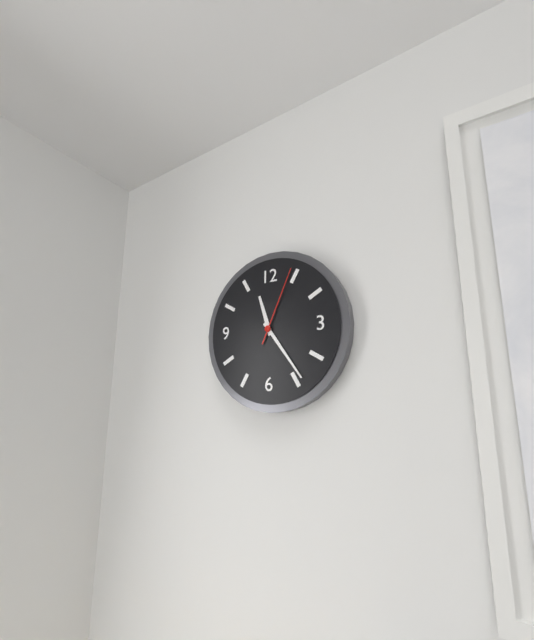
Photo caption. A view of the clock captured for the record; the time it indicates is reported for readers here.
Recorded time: 11:24:04
